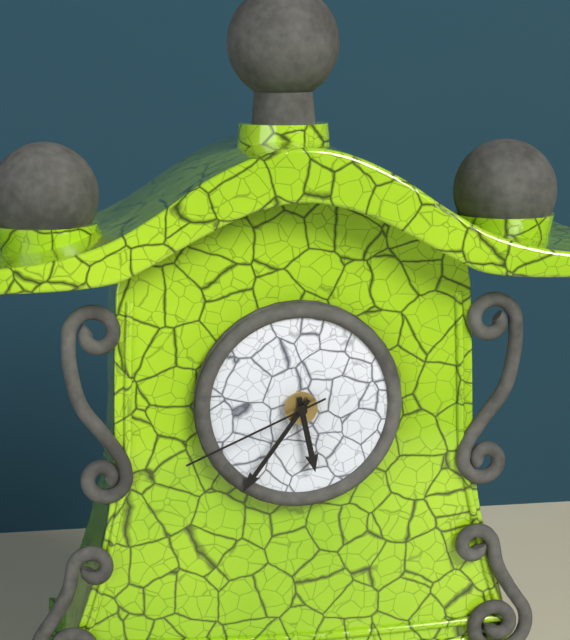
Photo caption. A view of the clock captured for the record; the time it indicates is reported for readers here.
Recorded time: 5:36:41
